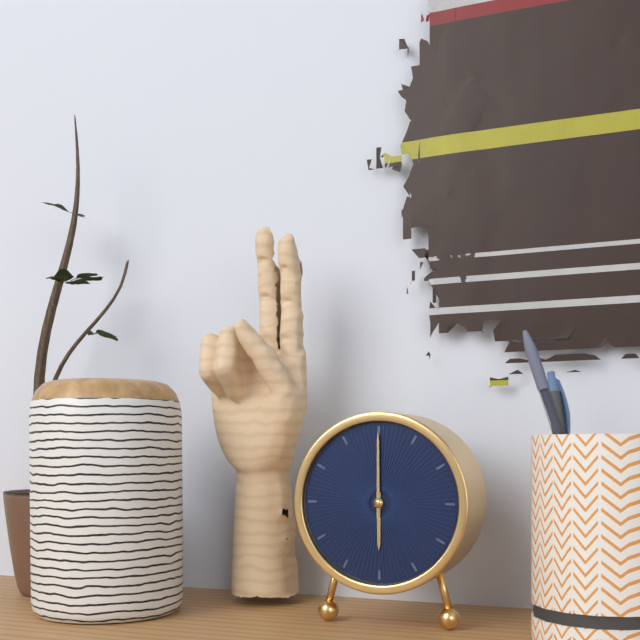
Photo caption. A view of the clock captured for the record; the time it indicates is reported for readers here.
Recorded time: 6:00
